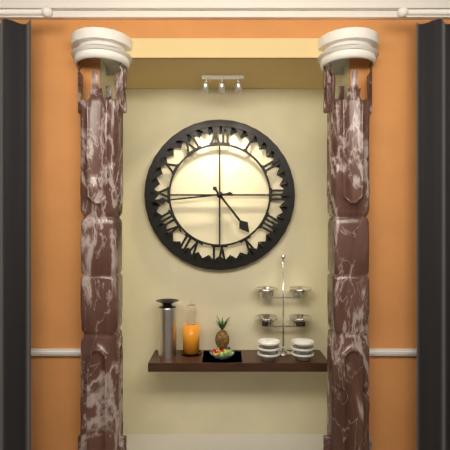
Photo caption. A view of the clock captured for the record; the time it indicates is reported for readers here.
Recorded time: 4:44
